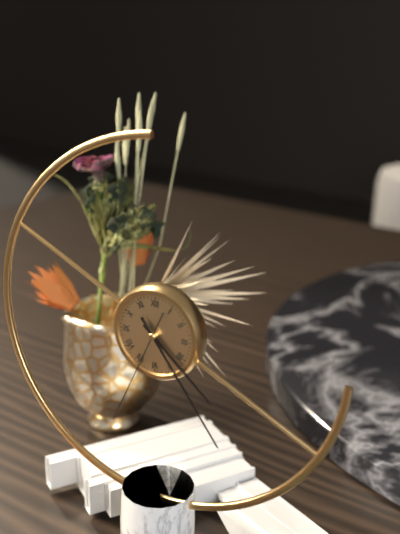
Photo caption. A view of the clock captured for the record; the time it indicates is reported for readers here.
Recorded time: 4:24:34
